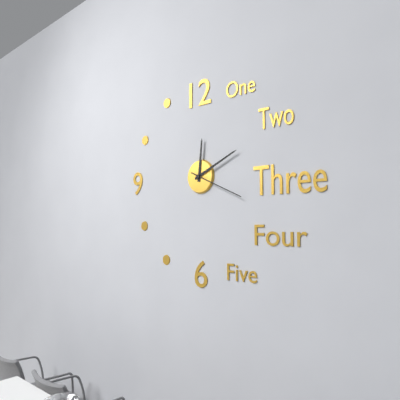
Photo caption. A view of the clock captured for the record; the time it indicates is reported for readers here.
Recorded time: 12:11:19
